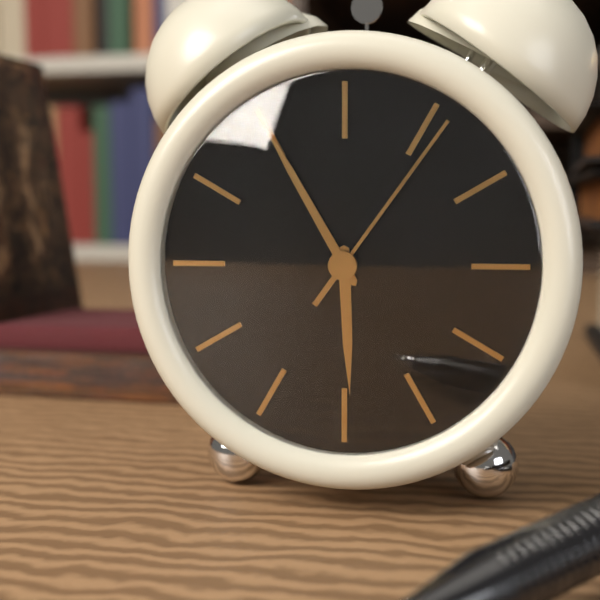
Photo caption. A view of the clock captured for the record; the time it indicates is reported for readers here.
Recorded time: 5:55:06
